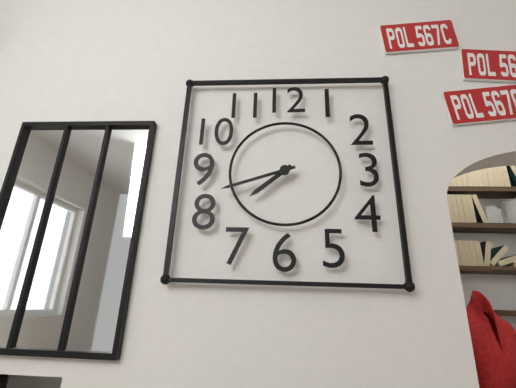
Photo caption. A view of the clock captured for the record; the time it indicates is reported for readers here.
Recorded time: 7:42
